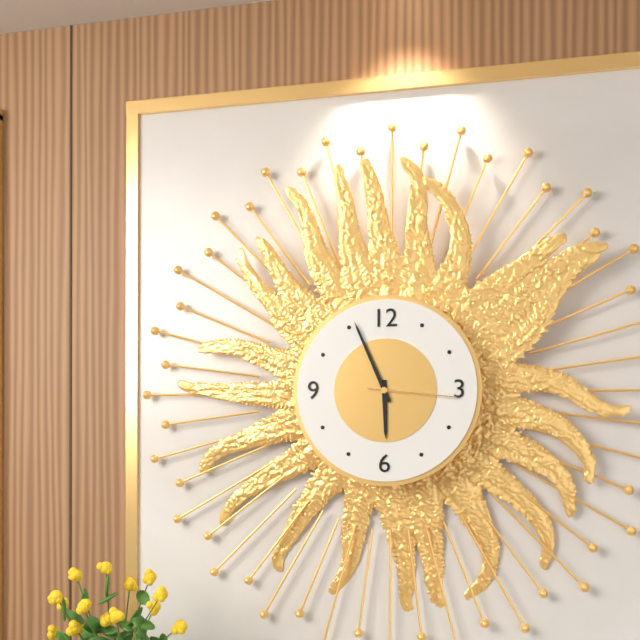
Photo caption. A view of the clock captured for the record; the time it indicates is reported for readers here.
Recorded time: 5:56:16
